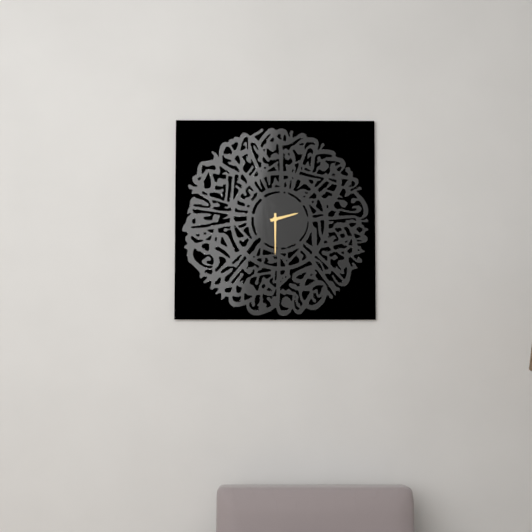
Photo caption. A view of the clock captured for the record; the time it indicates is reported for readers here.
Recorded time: 2:30
